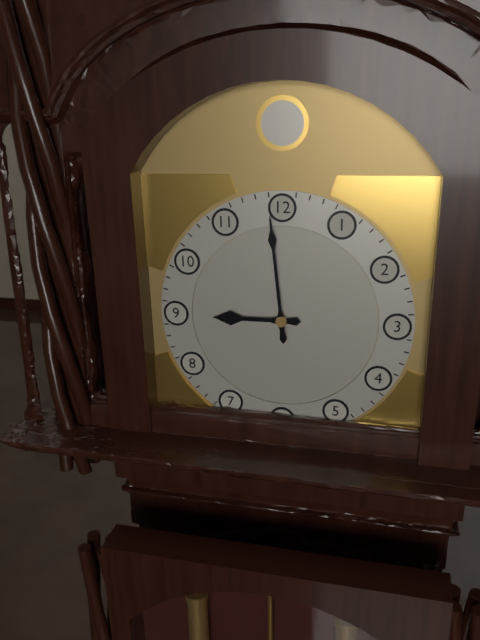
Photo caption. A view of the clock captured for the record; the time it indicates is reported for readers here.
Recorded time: 8:59
